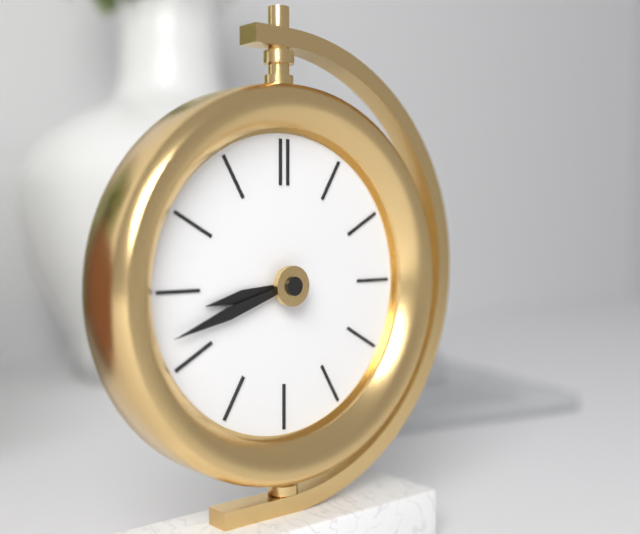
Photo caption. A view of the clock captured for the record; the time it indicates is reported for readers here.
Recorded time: 8:42
